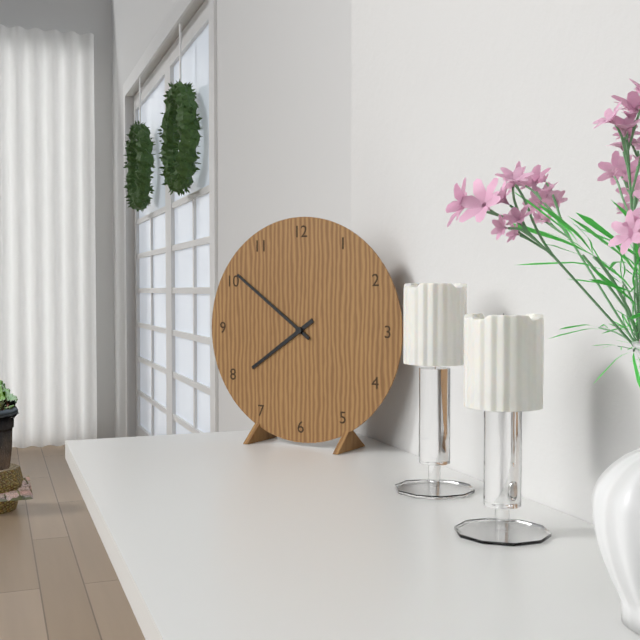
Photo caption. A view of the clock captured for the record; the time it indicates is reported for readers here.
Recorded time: 7:51
